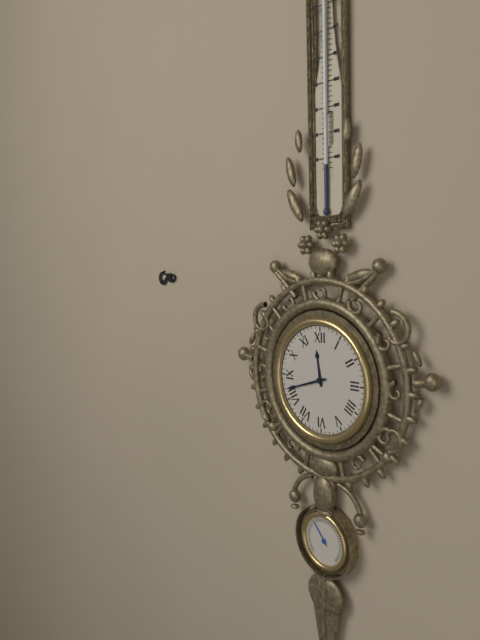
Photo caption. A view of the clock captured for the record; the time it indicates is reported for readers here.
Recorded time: 11:42
